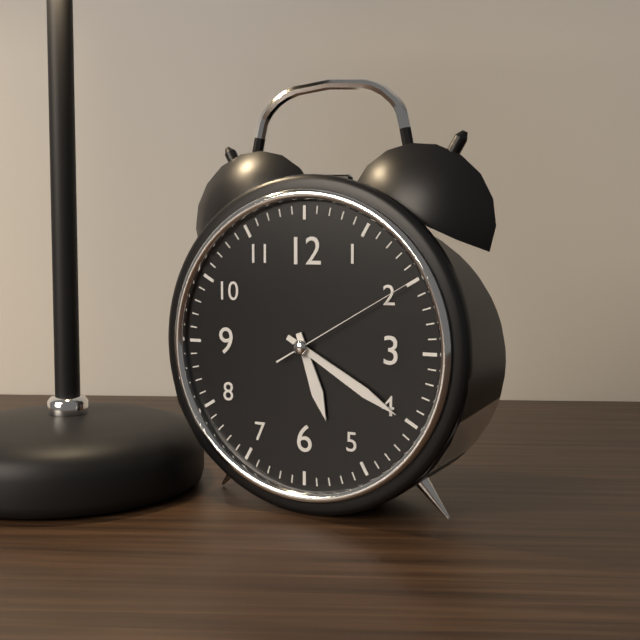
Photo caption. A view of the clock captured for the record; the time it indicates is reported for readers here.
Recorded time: 5:20:10
